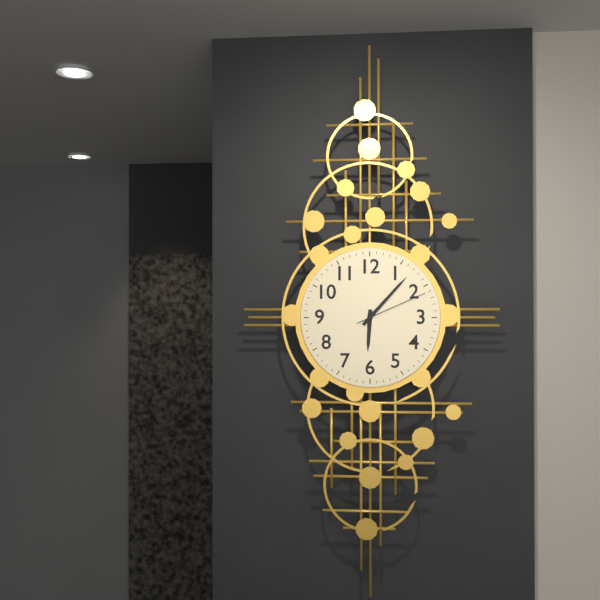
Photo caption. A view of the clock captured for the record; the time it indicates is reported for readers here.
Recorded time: 6:07:11
